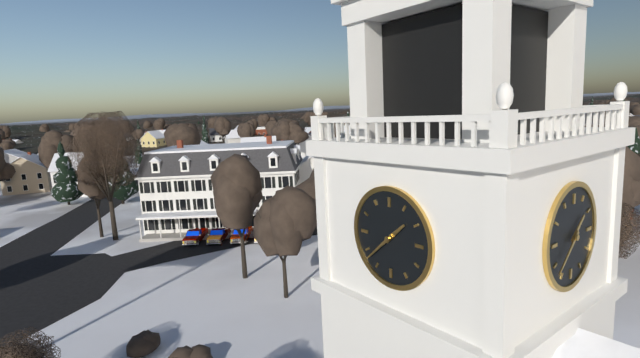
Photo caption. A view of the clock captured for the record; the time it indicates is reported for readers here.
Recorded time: 1:38
